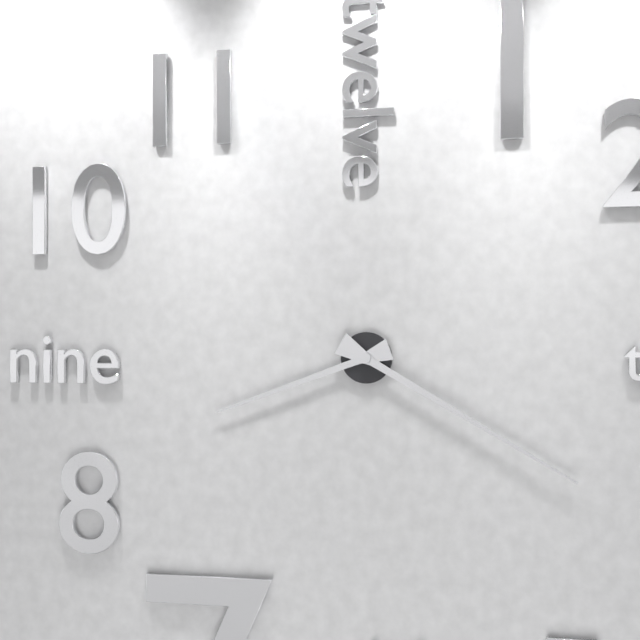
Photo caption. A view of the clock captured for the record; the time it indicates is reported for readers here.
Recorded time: 8:20
